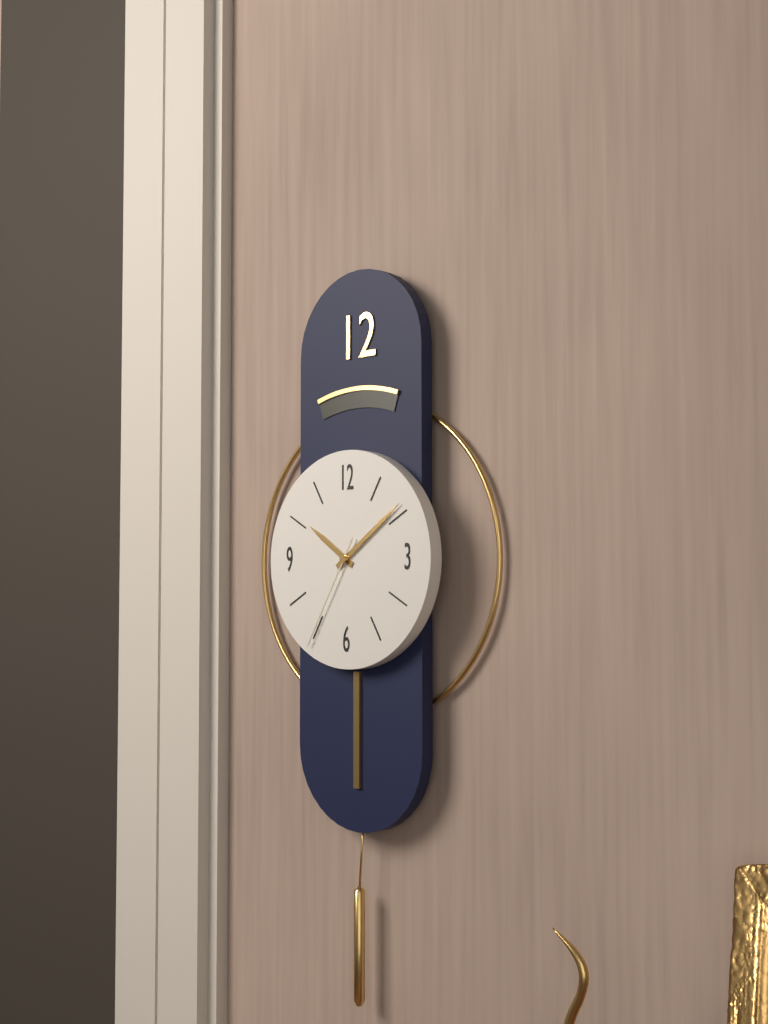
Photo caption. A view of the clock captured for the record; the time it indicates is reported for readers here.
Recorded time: 10:09:35
